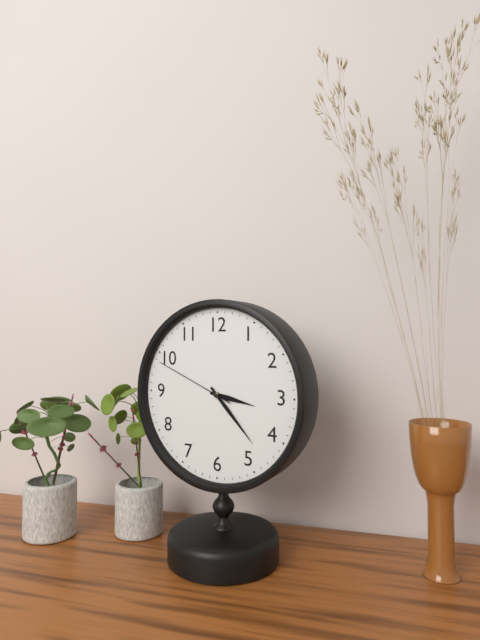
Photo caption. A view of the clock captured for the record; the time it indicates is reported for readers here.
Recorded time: 3:23:49
